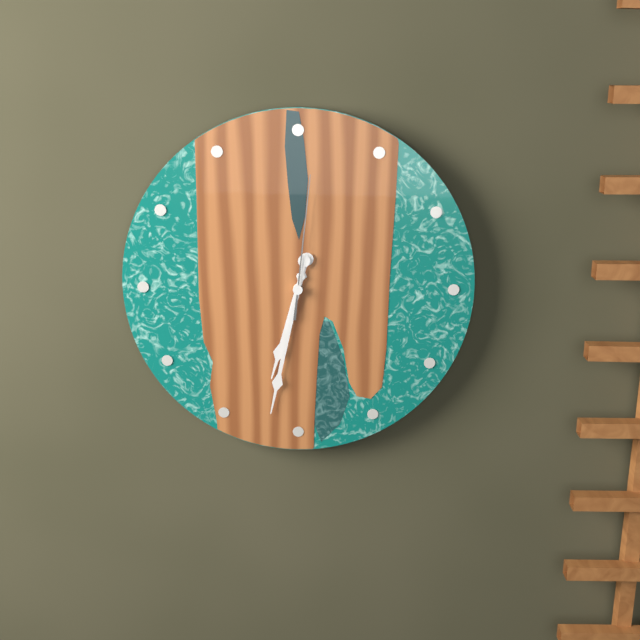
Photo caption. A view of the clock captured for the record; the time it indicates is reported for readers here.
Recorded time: 6:32:01
